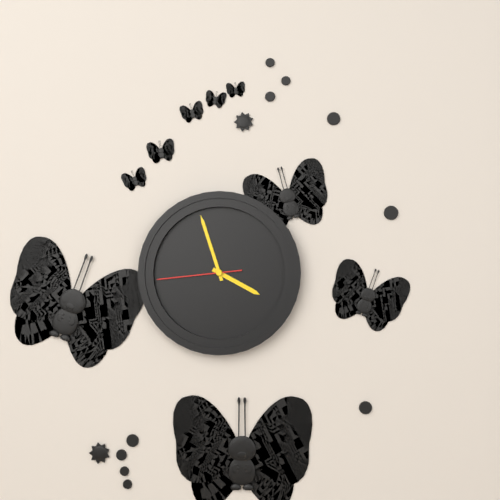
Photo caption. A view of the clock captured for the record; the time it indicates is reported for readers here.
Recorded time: 3:57:44
